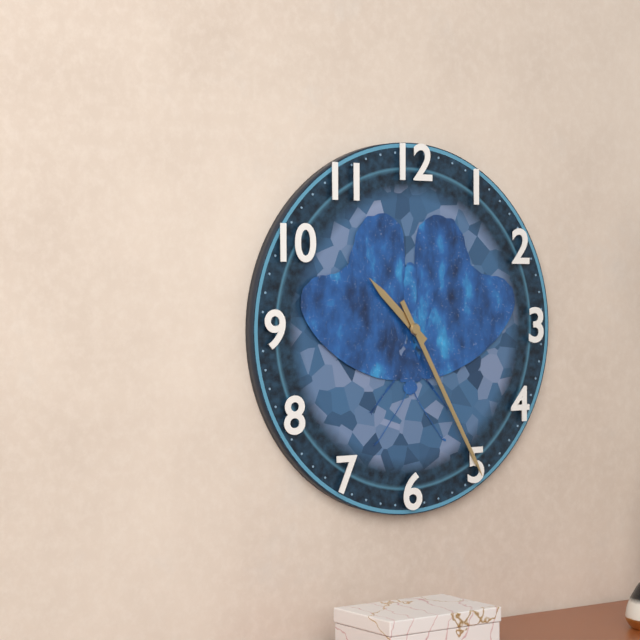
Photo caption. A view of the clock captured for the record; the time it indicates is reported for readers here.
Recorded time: 10:25
